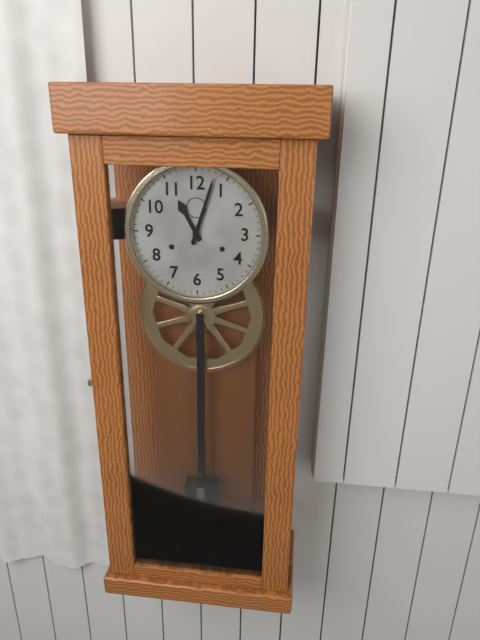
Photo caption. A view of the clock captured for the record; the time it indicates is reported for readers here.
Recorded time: 11:03
